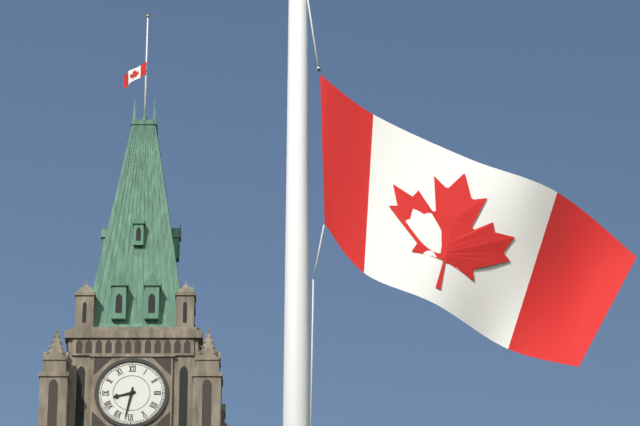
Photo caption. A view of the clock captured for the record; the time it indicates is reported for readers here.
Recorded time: 8:32
